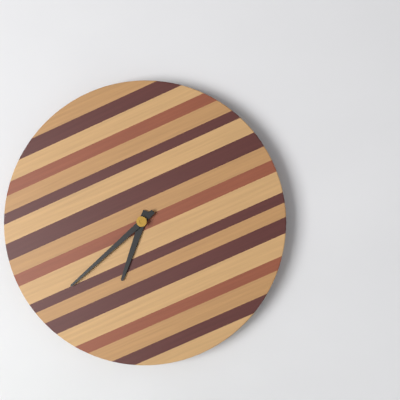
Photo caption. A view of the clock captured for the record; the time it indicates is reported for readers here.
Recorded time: 6:38
